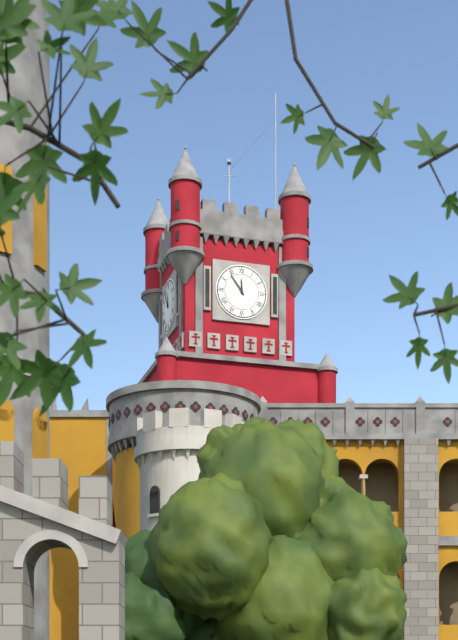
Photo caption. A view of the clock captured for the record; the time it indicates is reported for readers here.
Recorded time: 11:54
